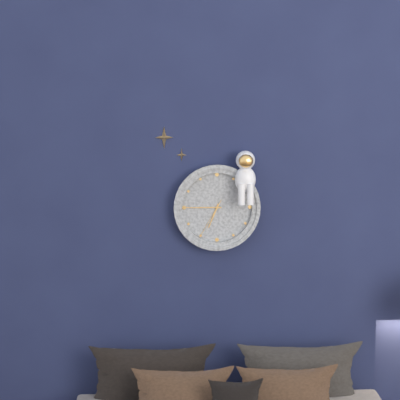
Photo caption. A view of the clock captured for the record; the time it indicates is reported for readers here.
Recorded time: 6:45
